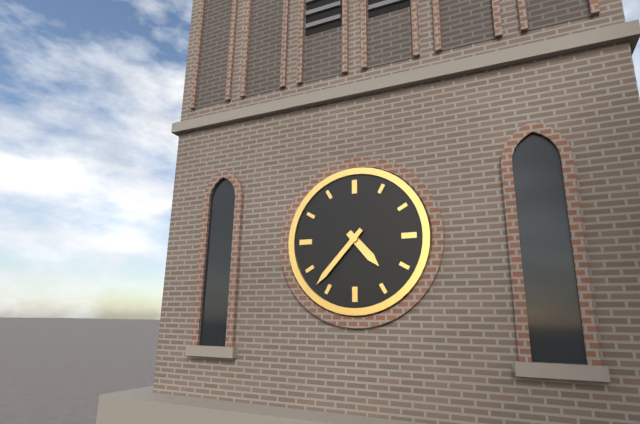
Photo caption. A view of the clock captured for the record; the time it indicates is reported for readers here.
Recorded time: 4:37
